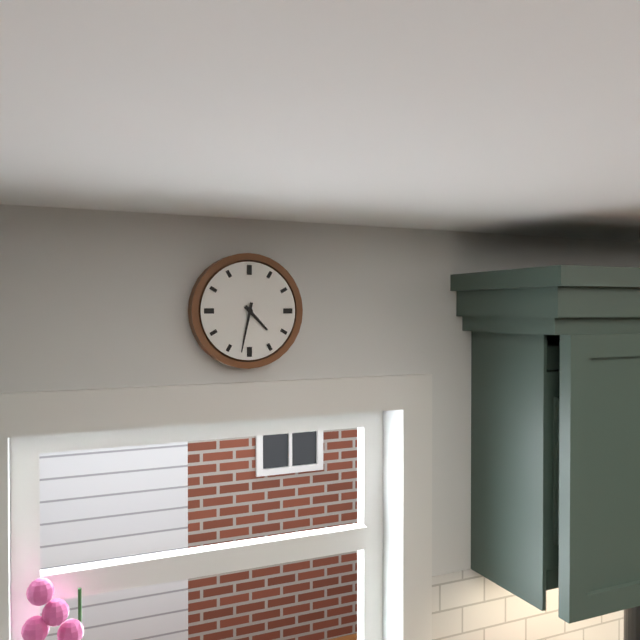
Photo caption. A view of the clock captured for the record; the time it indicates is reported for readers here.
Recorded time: 4:32
